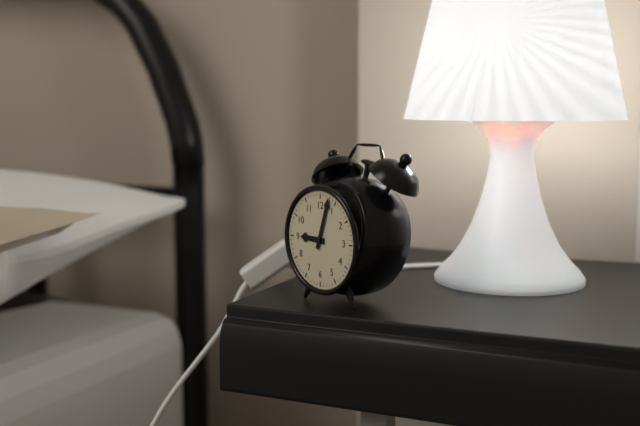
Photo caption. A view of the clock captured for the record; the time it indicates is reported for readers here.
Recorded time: 9:03
